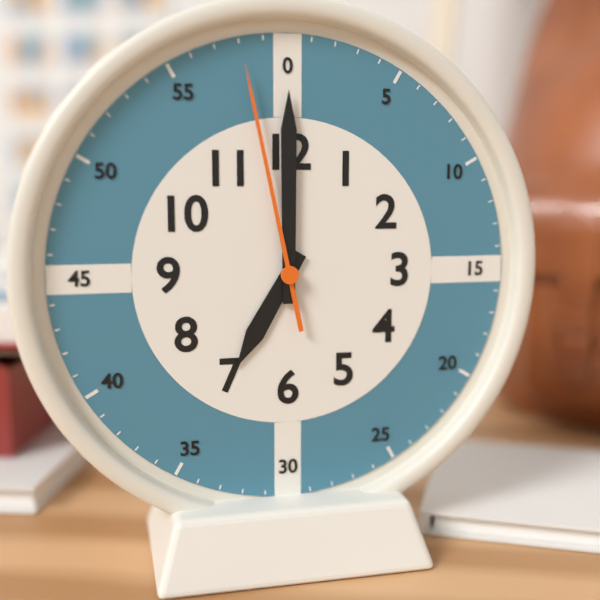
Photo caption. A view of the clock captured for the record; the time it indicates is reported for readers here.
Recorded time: 7:00:58
